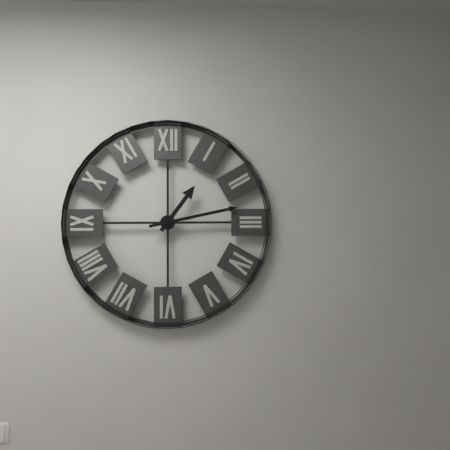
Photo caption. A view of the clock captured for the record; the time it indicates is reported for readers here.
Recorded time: 1:13
